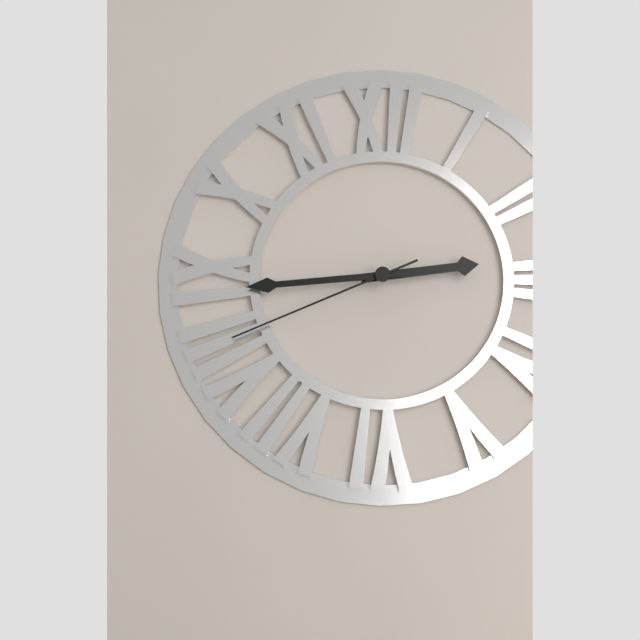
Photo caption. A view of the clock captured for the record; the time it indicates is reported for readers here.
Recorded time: 2:44:41
